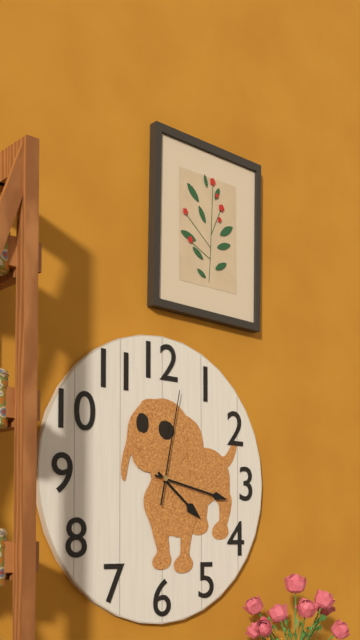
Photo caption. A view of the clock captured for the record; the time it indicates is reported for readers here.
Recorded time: 4:17:02
